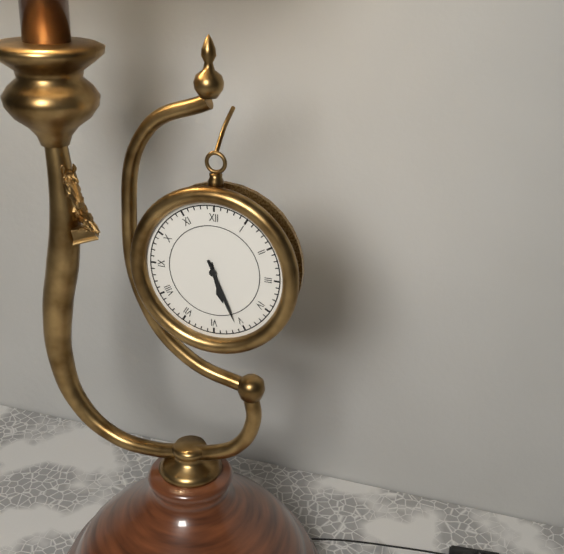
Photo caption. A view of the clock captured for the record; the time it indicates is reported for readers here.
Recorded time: 5:26
